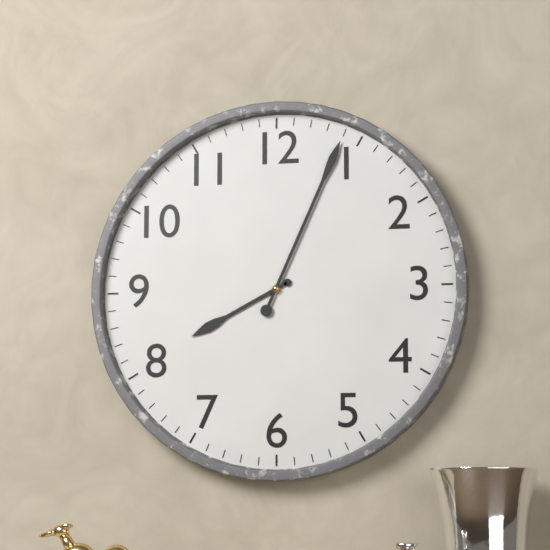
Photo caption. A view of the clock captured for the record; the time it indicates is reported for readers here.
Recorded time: 8:04
